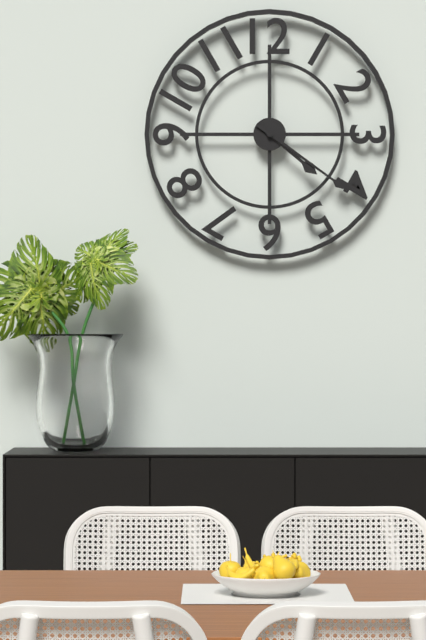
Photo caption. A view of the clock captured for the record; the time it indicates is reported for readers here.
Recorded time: 4:21
